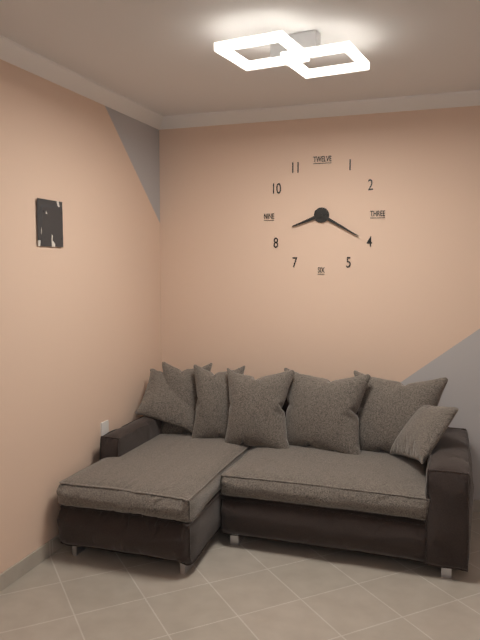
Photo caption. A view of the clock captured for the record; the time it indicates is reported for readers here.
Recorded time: 8:20
